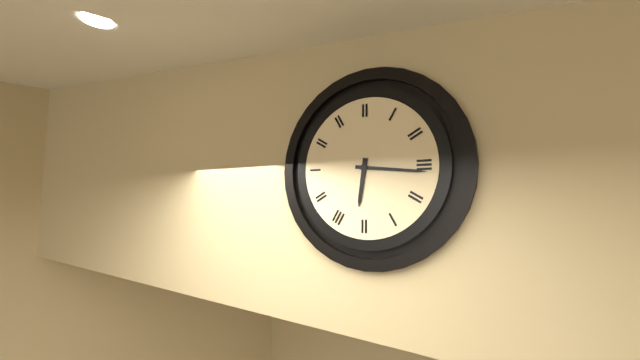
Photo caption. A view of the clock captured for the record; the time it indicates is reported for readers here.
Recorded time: 6:16
